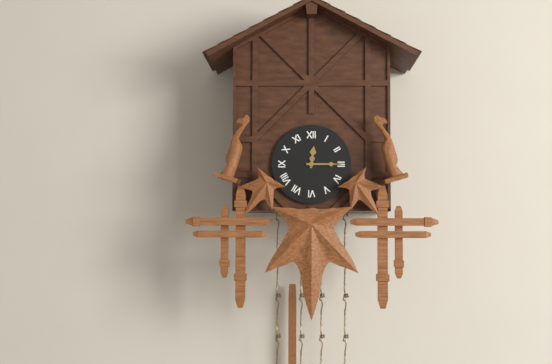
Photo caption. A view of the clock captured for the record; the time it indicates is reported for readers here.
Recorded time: 12:15
